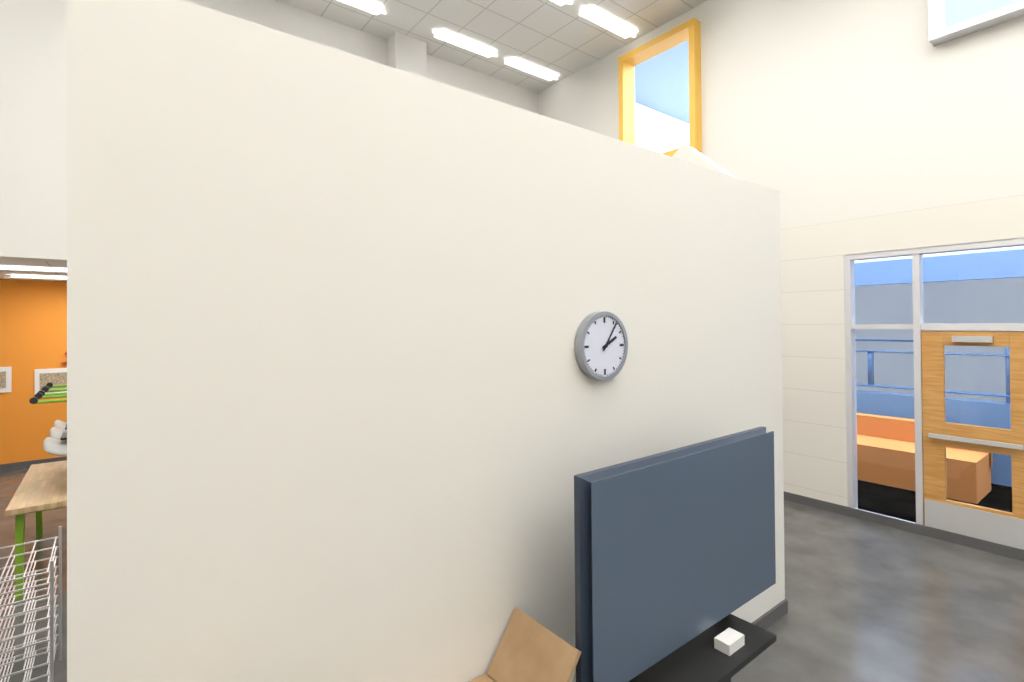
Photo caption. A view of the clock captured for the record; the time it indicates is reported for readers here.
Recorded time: 2:06
